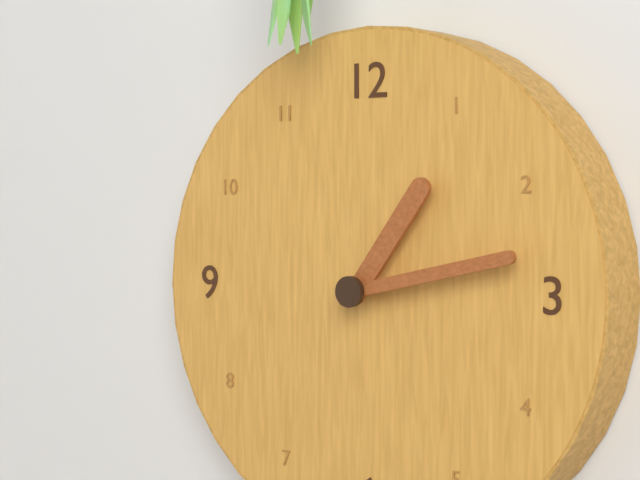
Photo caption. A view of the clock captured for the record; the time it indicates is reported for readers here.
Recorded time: 1:13
